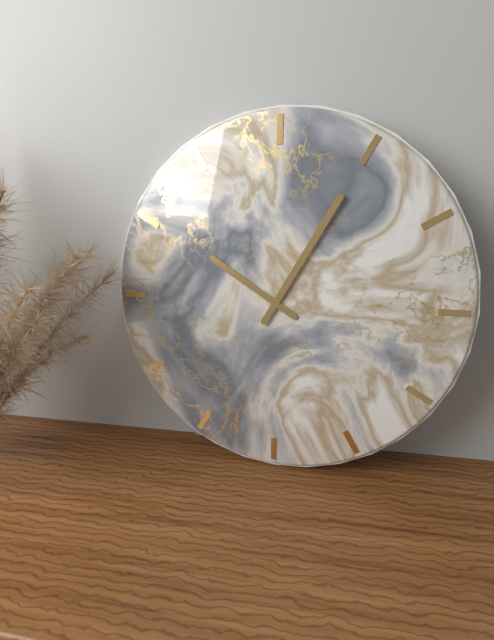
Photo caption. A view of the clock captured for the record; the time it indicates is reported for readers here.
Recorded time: 10:05
